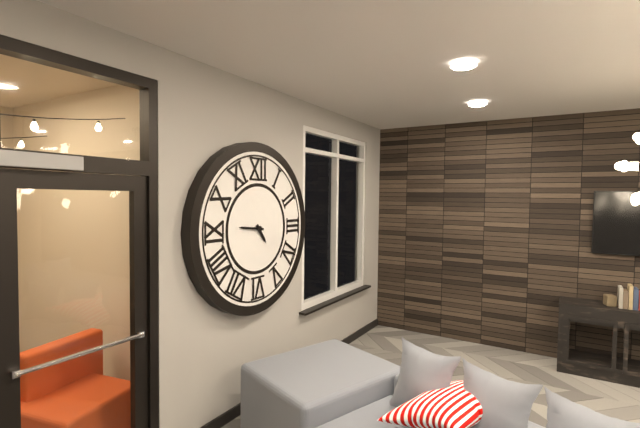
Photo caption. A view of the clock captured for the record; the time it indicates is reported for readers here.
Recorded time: 4:46
